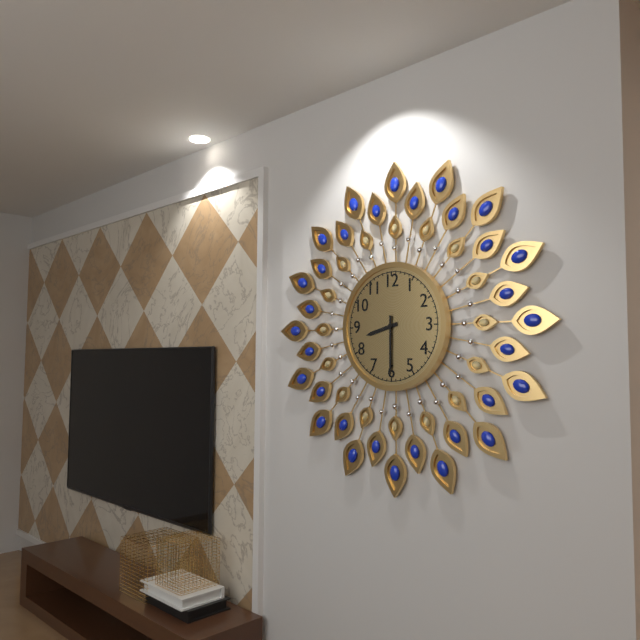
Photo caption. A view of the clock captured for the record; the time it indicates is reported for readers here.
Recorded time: 8:30
